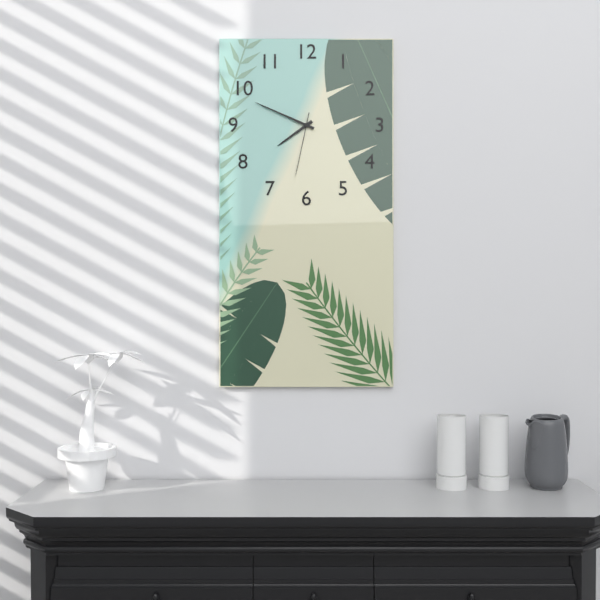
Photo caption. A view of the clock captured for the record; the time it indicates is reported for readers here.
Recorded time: 7:49:32
